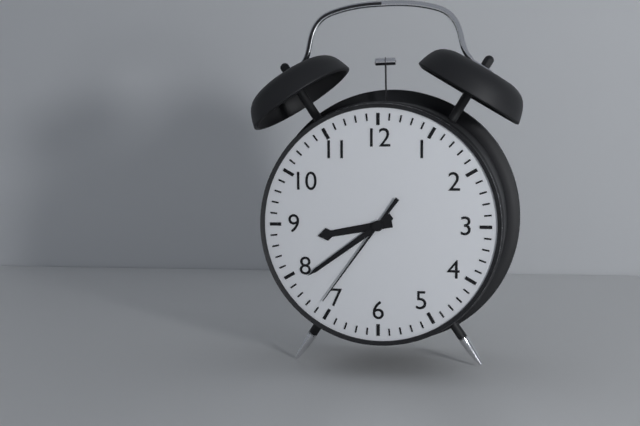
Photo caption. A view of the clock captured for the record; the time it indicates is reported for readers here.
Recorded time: 8:39:36
